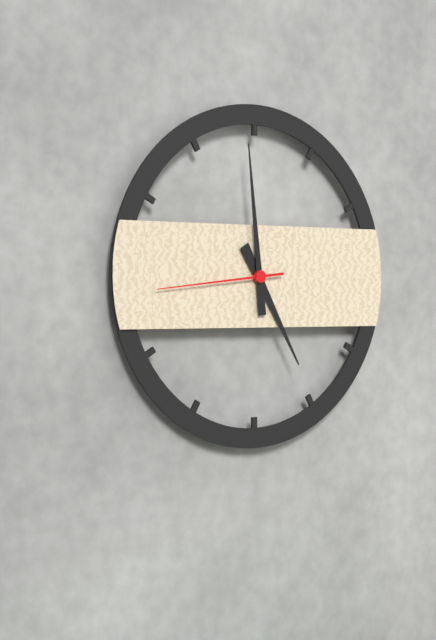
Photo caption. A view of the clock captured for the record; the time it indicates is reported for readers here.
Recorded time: 4:59:44
